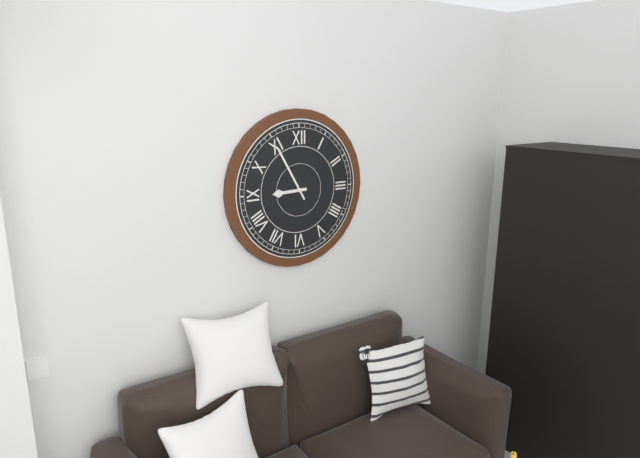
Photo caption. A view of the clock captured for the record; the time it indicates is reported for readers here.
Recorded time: 8:55
